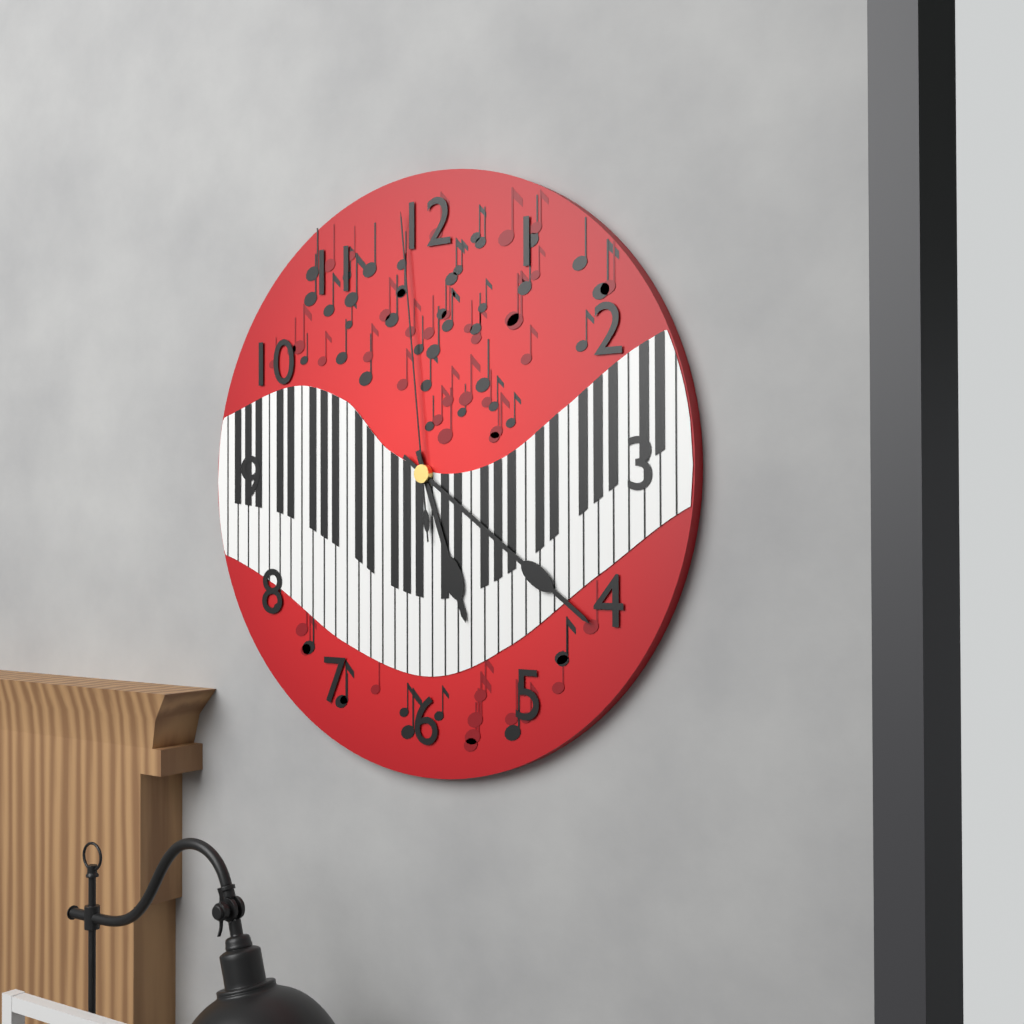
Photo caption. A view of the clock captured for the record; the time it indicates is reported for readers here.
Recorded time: 5:21:59
